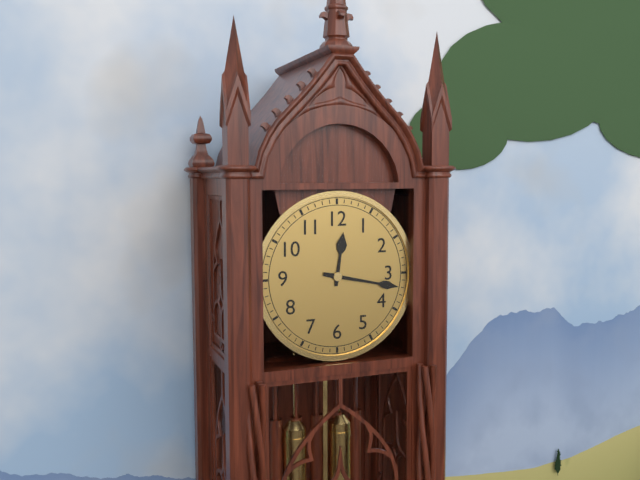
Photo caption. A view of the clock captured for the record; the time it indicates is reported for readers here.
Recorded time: 12:17
